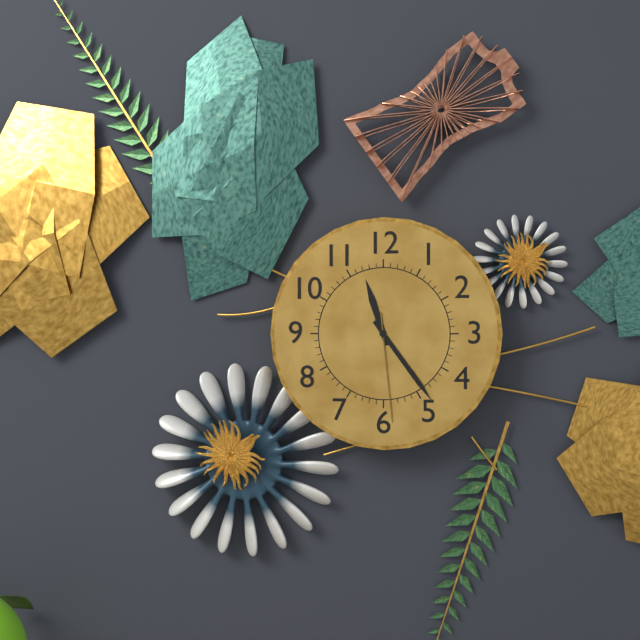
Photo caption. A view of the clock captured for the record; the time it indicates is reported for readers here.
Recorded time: 11:24:29
